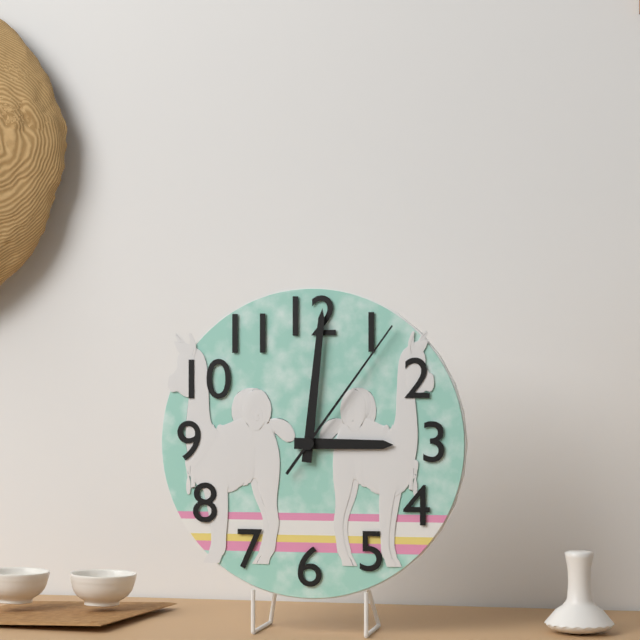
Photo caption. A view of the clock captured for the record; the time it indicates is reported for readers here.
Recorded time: 3:01:06
